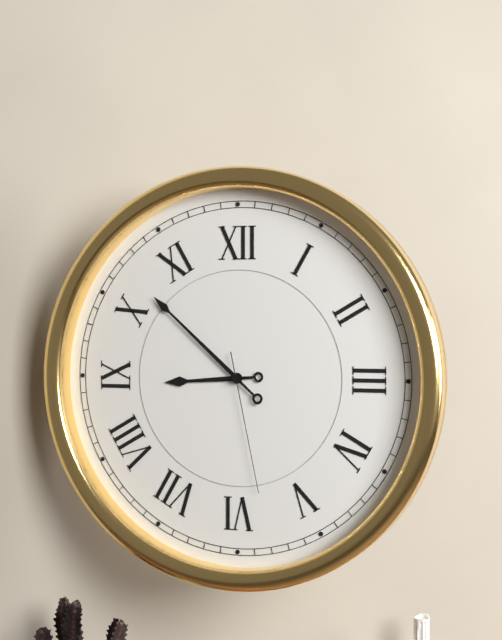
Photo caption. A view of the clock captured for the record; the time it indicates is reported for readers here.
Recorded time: 8:52:28
